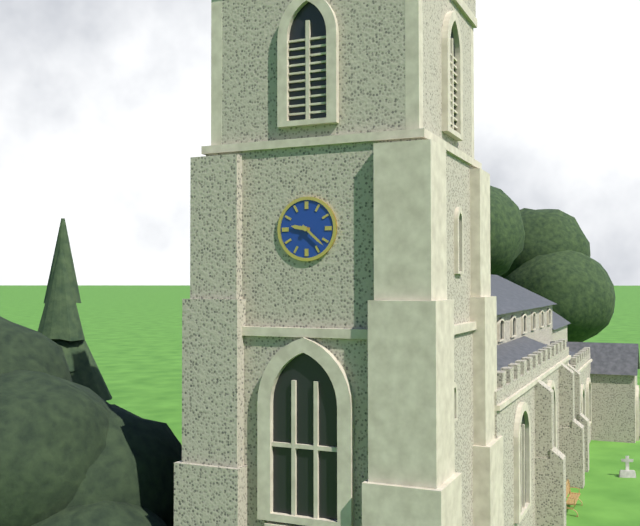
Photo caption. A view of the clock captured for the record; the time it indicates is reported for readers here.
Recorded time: 9:22
